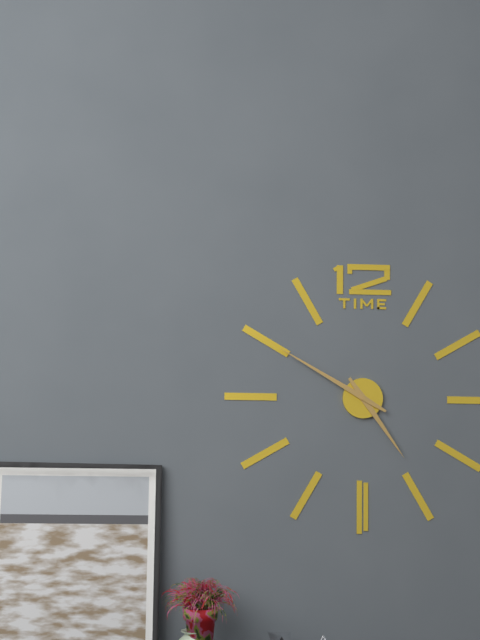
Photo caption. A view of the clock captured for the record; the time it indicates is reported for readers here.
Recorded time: 4:50
